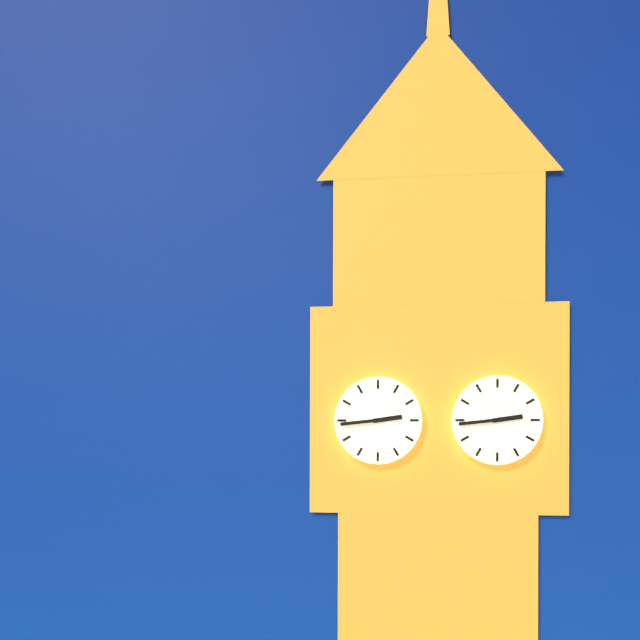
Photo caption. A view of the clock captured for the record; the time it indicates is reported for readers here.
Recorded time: 2:44
